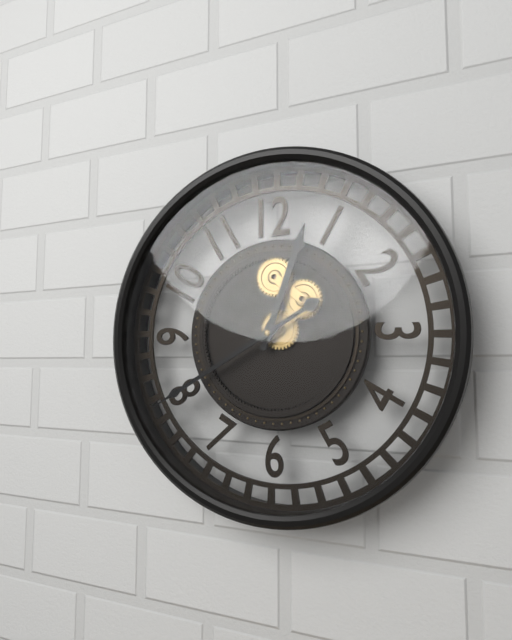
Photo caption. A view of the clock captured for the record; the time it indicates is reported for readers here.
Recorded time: 12:40
